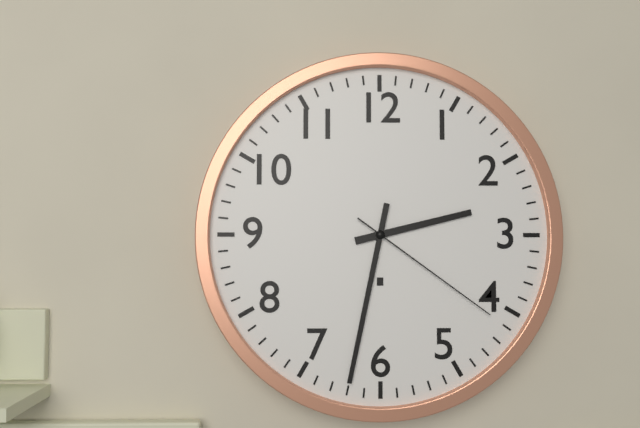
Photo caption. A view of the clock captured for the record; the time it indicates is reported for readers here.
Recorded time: 2:32:21
